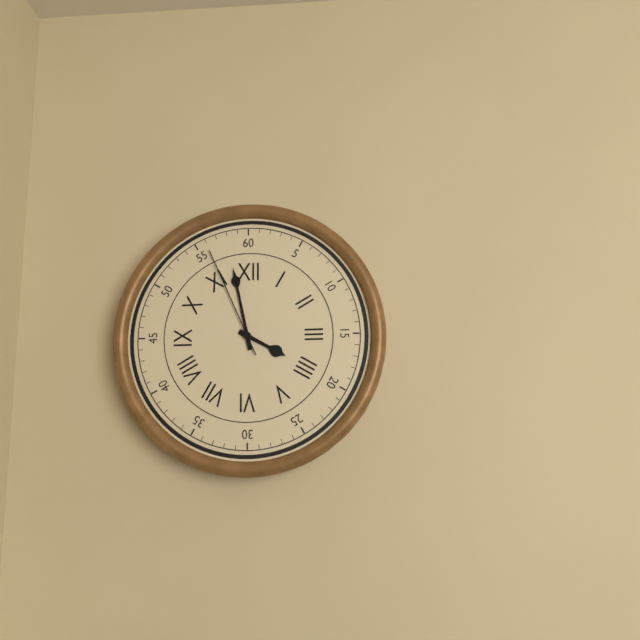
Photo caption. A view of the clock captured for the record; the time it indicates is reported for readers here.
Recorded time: 3:58:56
